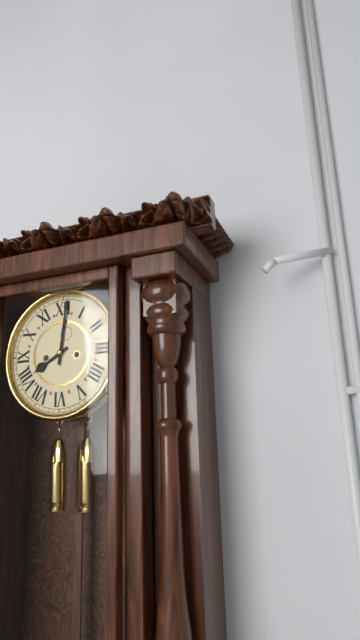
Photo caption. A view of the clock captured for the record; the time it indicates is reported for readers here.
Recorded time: 8:01
